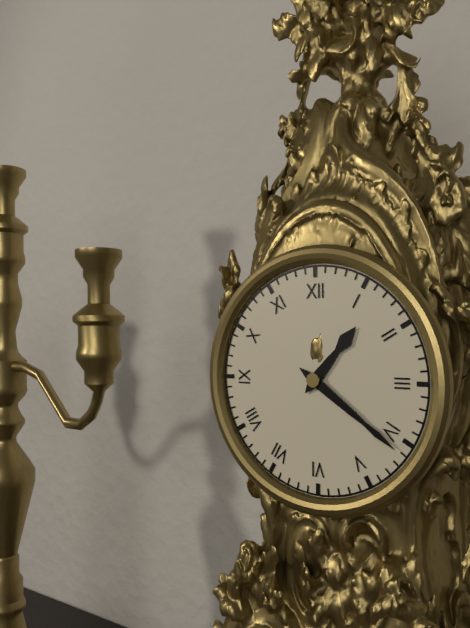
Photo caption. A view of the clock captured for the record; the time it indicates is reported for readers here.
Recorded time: 1:21
